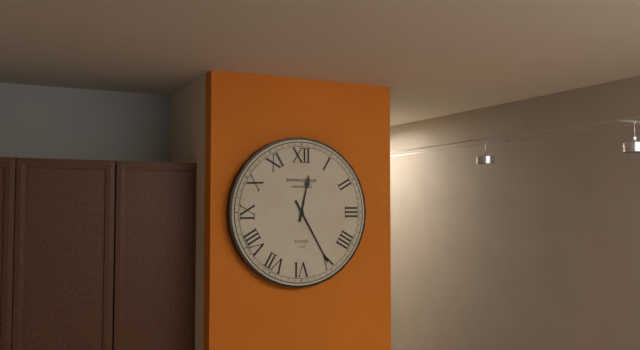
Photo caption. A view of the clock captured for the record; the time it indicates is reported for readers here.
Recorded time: 12:25
